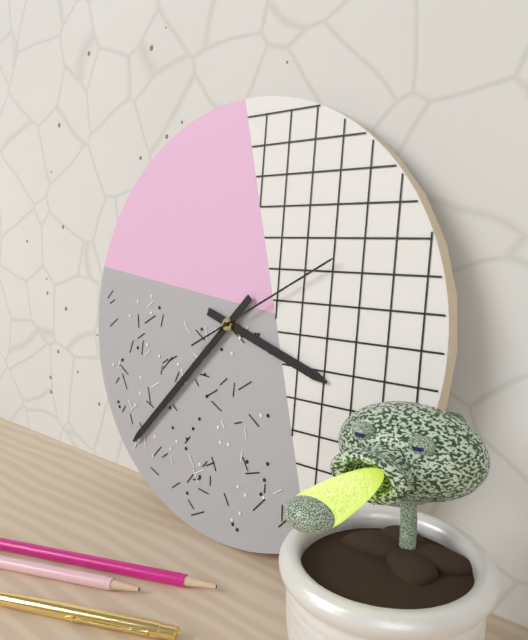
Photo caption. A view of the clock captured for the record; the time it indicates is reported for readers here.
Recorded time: 3:37:10
